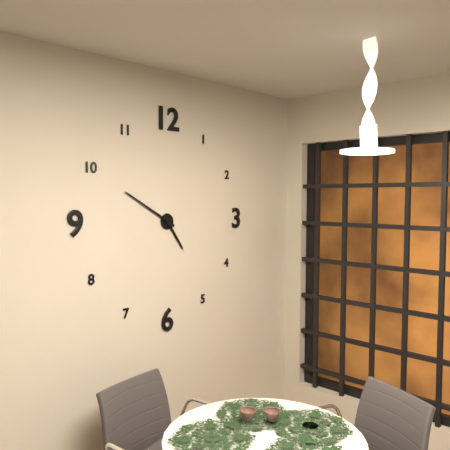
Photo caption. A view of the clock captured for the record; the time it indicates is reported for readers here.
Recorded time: 4:50
